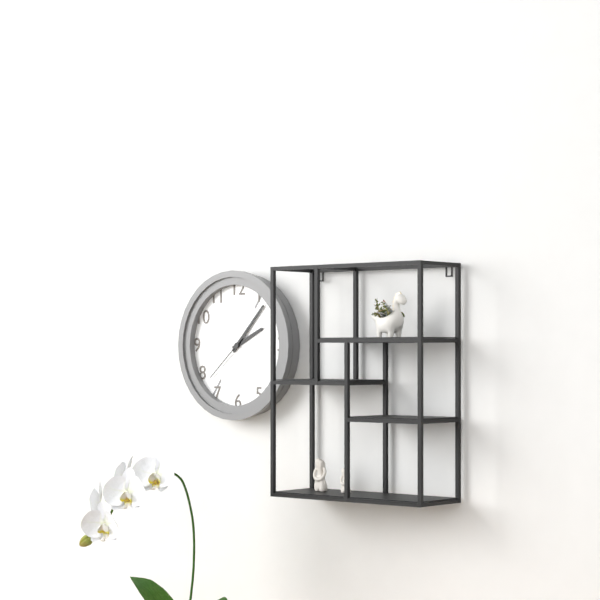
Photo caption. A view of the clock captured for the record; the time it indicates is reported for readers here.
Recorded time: 2:07:38
